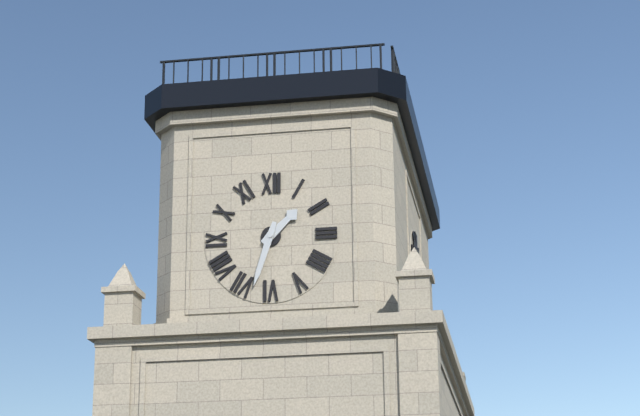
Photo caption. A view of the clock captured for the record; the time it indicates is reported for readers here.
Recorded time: 1:33
